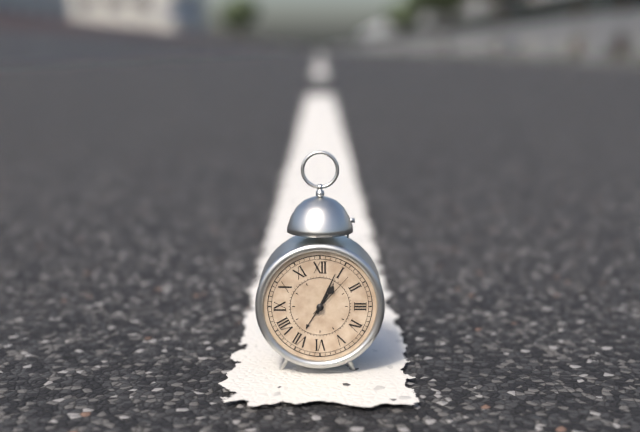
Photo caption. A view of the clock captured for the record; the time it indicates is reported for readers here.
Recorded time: 1:04:07
